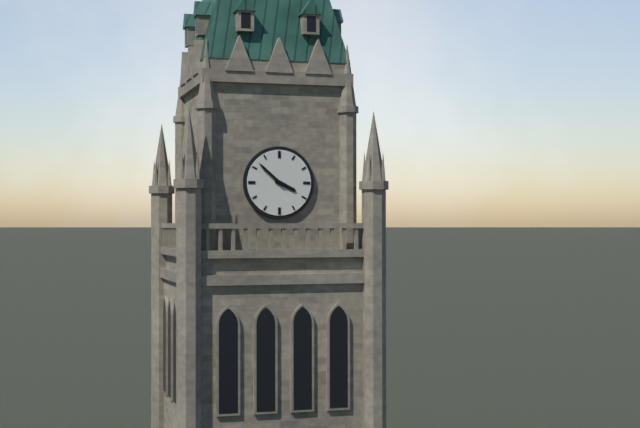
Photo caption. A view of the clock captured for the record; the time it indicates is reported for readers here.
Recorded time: 3:52
